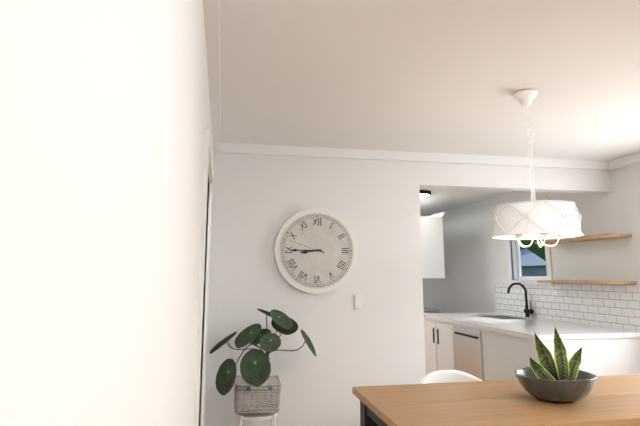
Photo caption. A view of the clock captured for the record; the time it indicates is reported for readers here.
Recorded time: 8:45
